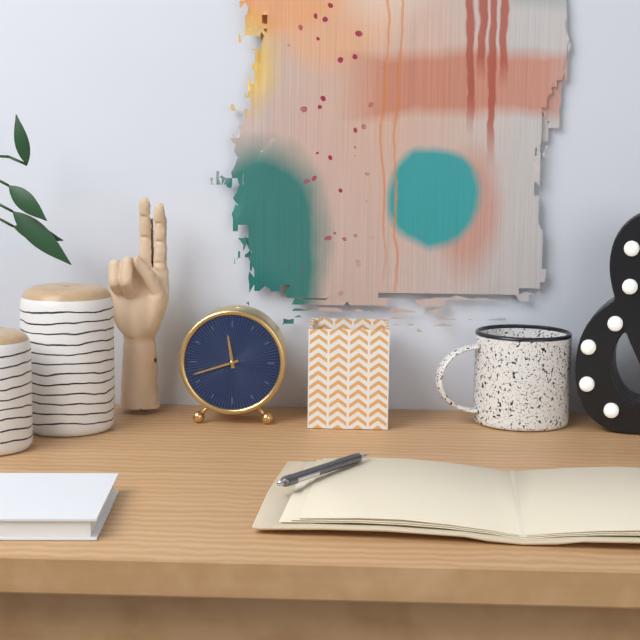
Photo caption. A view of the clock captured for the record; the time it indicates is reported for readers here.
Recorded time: 11:42
